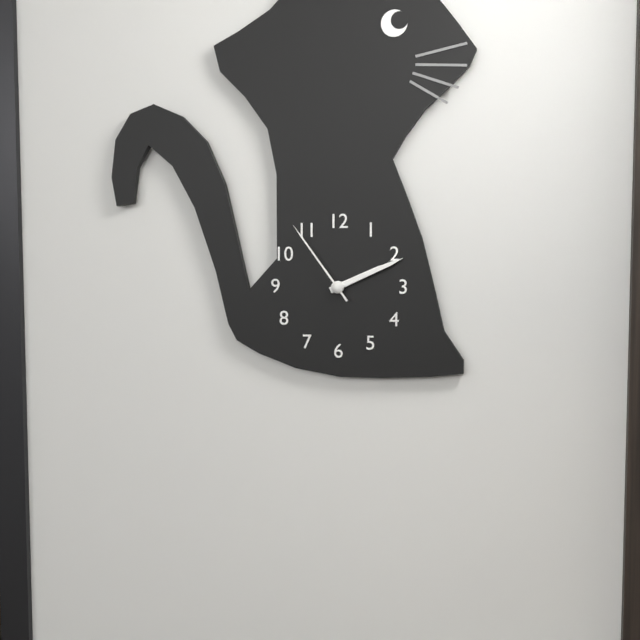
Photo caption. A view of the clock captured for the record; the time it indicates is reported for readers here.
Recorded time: 2:11:54
